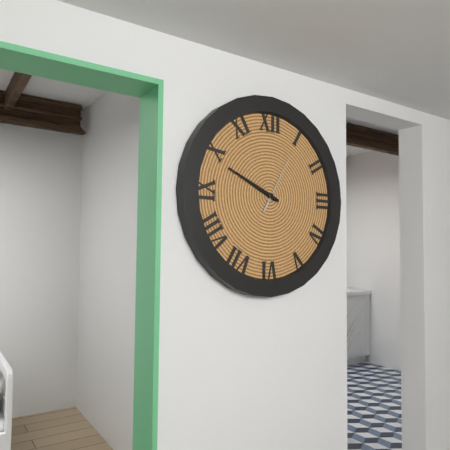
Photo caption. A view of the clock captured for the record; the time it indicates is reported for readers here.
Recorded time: 9:49:05
